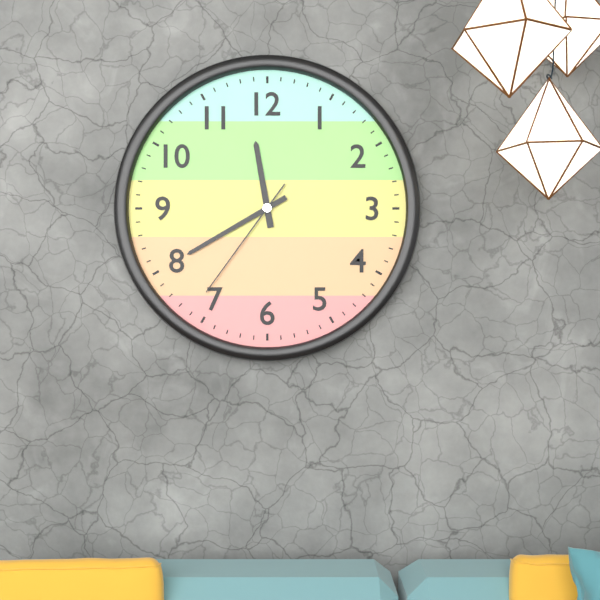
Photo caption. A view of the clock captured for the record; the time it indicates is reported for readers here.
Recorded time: 11:40:36
